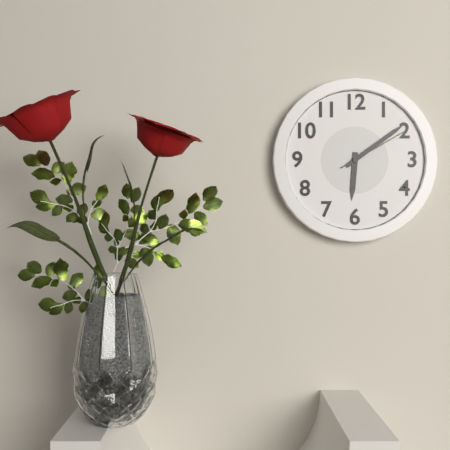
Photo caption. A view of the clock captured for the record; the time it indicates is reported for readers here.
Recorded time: 6:09:10
